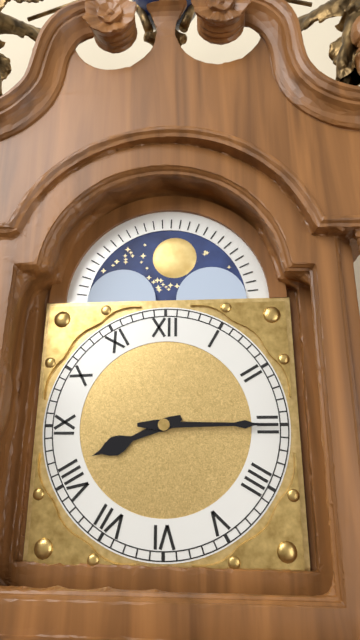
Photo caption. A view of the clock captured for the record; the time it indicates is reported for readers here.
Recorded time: 8:15
